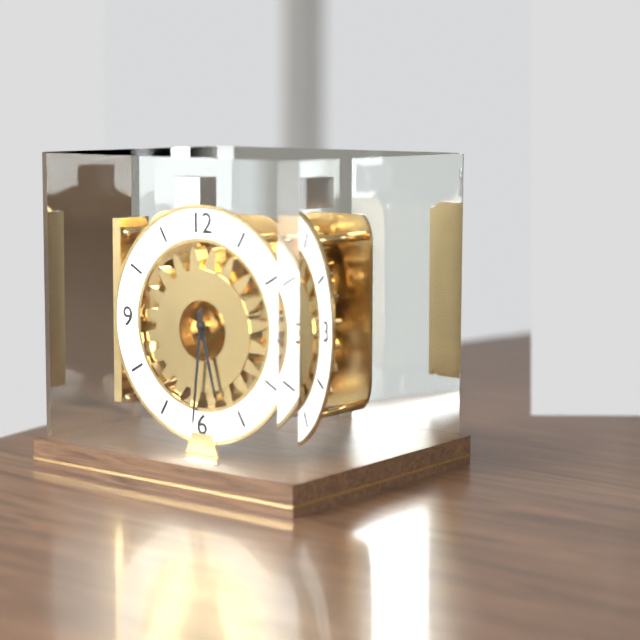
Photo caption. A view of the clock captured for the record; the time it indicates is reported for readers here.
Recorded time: 5:31
